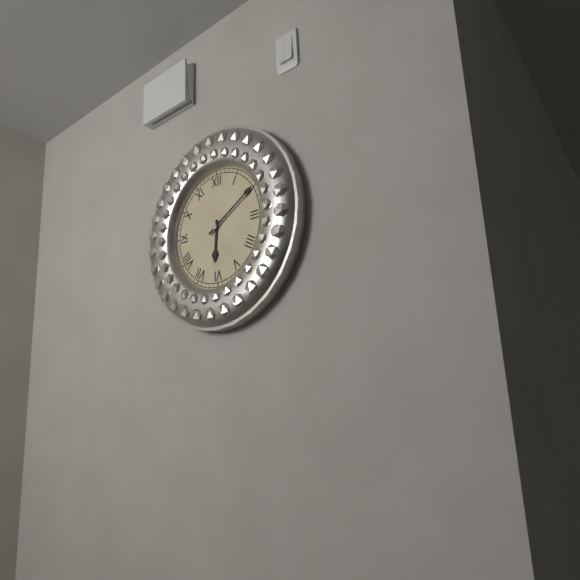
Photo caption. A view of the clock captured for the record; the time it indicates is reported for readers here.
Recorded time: 6:10
